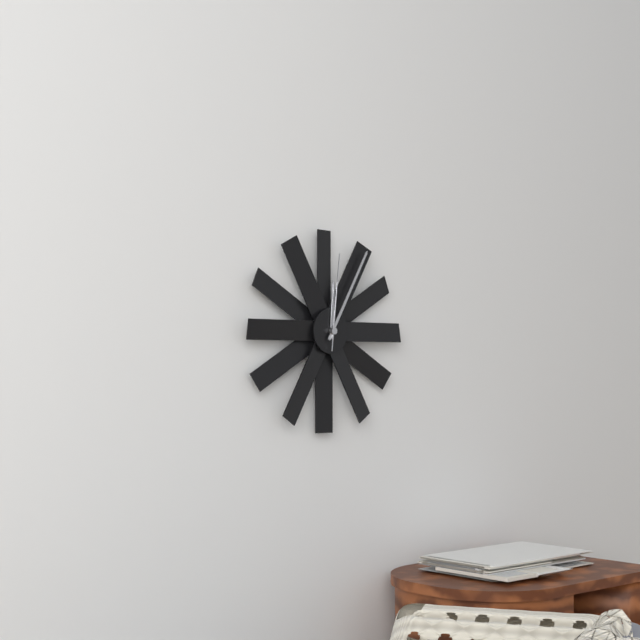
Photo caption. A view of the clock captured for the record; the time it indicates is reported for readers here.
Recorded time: 12:05:01
